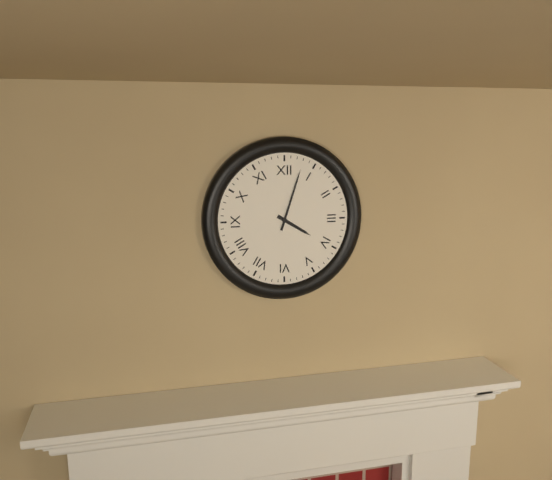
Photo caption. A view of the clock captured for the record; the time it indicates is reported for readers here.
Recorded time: 4:03
